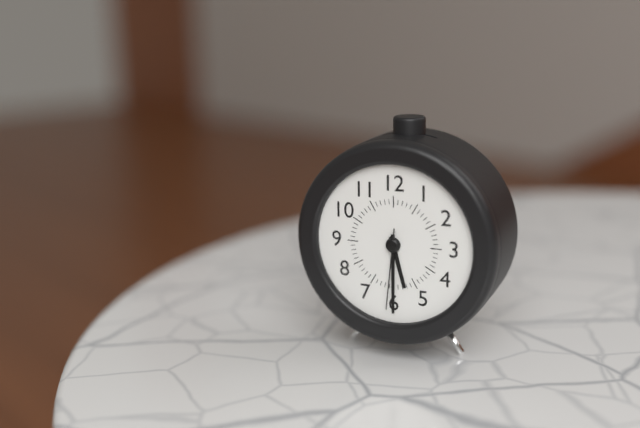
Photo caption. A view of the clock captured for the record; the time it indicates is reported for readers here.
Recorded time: 5:30:31
